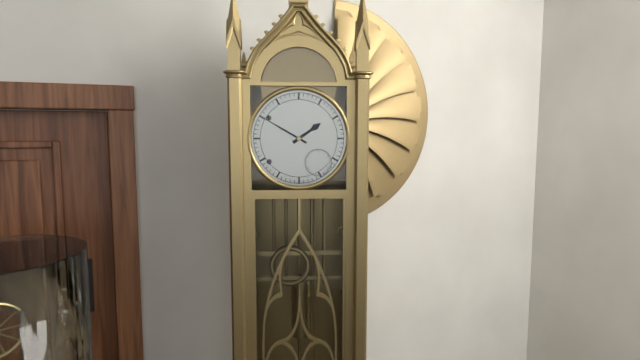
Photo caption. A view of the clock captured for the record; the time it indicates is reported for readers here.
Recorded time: 1:50
